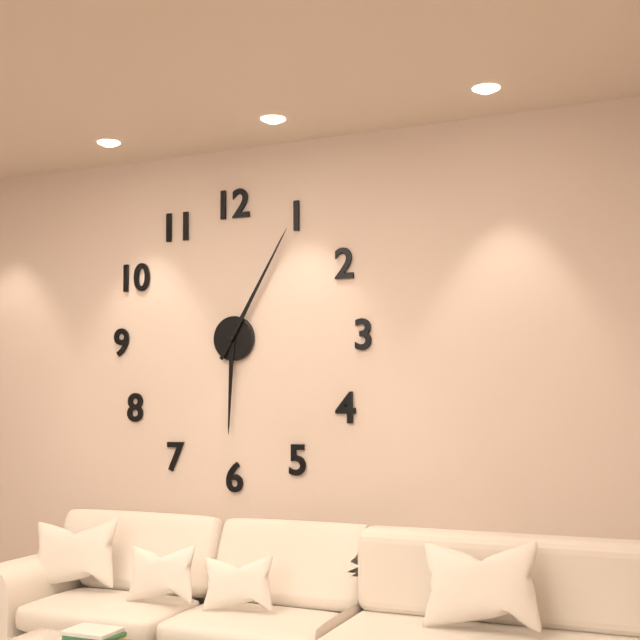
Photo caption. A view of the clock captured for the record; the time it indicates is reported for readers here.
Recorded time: 6:05
